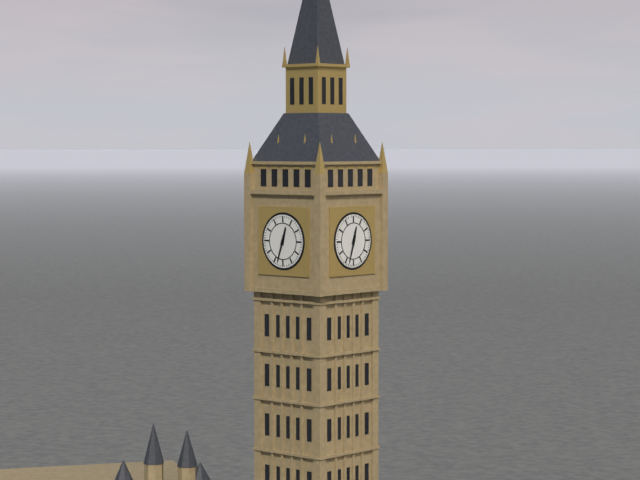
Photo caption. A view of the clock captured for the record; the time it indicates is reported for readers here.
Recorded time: 12:33
